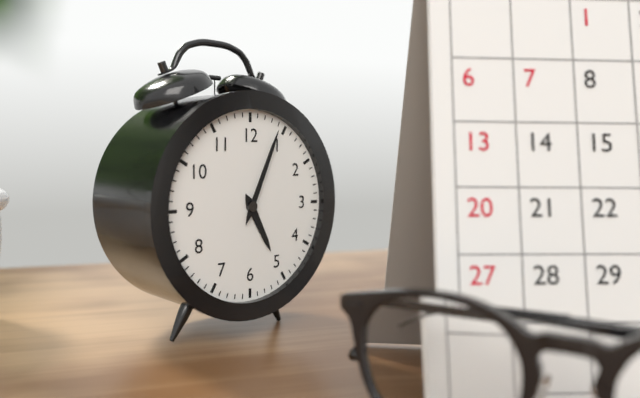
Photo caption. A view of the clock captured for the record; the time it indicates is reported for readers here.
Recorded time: 5:04
